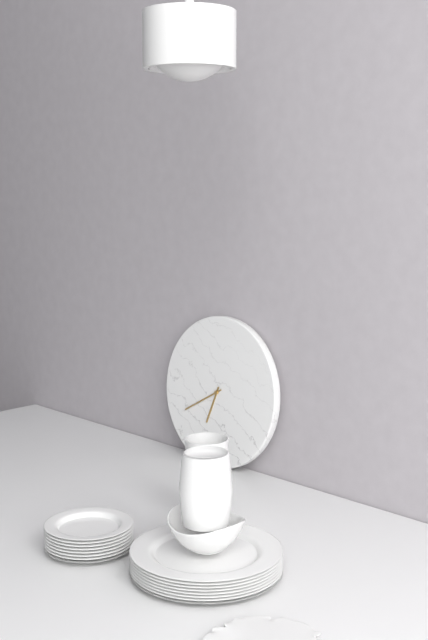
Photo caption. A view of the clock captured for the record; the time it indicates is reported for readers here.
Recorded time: 6:40
